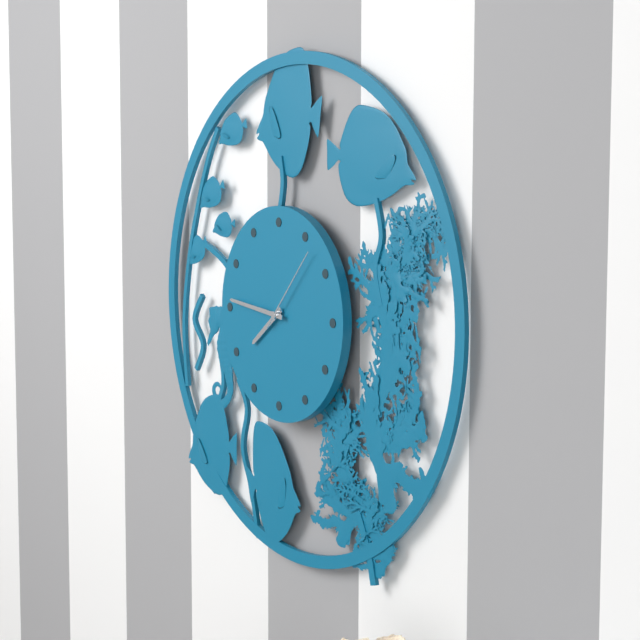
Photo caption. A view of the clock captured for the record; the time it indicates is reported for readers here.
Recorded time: 7:46:07
